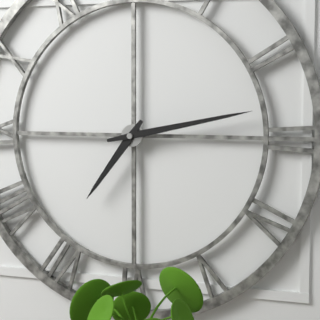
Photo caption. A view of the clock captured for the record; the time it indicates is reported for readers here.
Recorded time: 7:13
